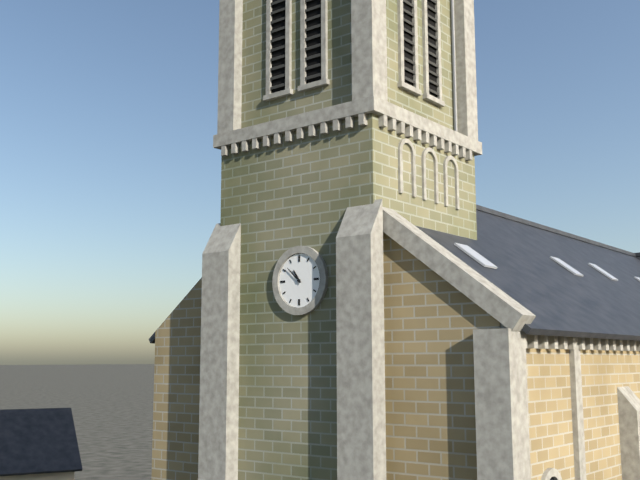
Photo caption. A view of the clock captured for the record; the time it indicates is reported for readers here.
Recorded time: 10:52
